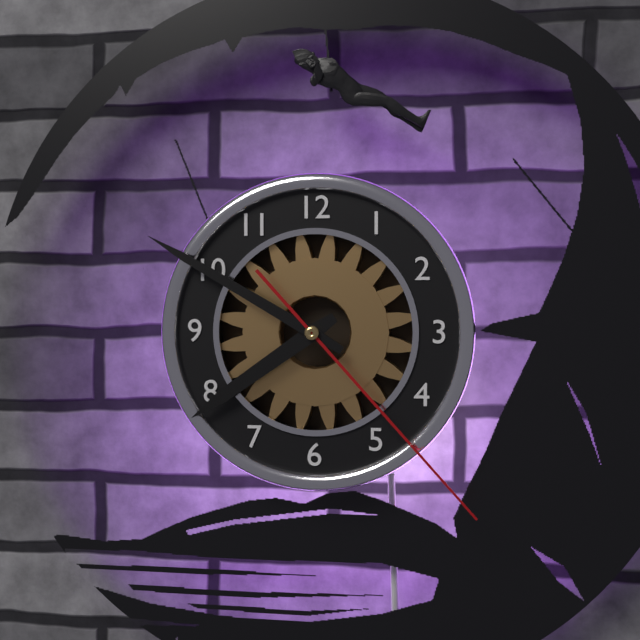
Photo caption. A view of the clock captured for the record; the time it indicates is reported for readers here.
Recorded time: 7:50:23
